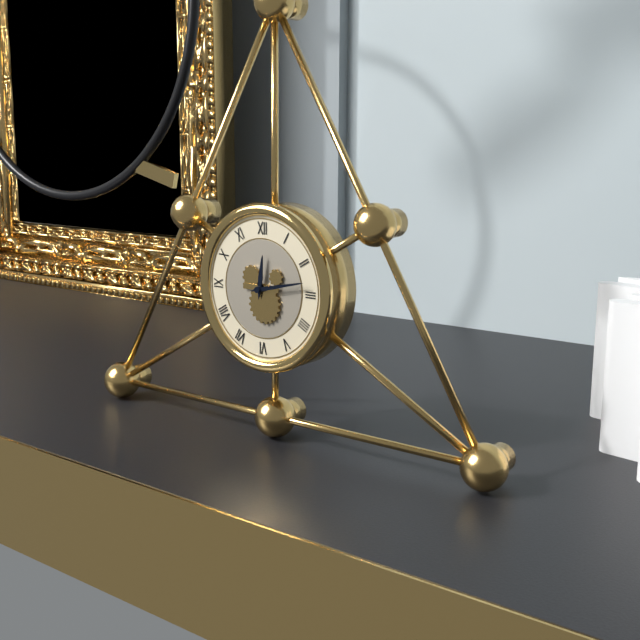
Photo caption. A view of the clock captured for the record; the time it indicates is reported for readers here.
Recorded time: 12:13
